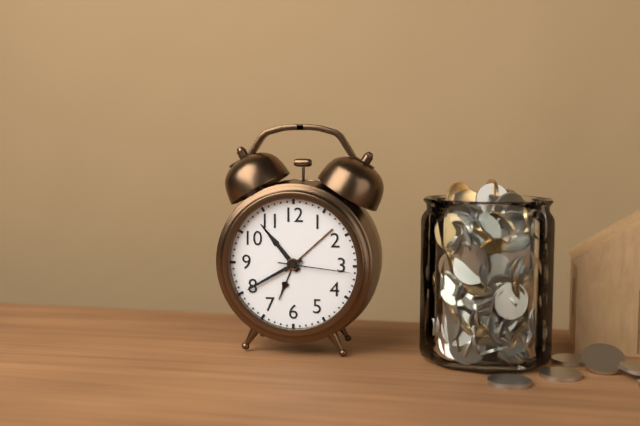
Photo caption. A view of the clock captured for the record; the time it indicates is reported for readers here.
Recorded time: 10:40:16
